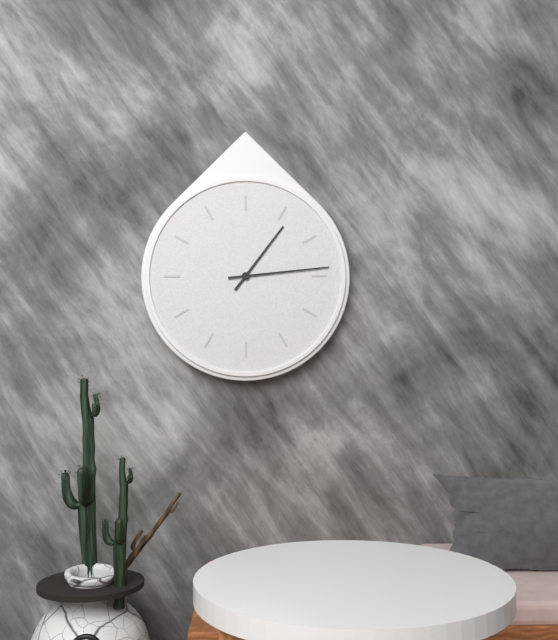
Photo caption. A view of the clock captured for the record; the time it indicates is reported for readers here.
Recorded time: 1:14
